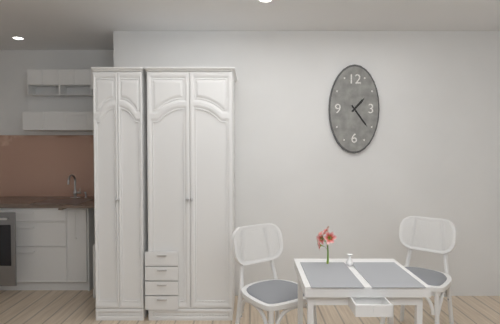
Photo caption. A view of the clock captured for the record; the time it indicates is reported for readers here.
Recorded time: 1:24
